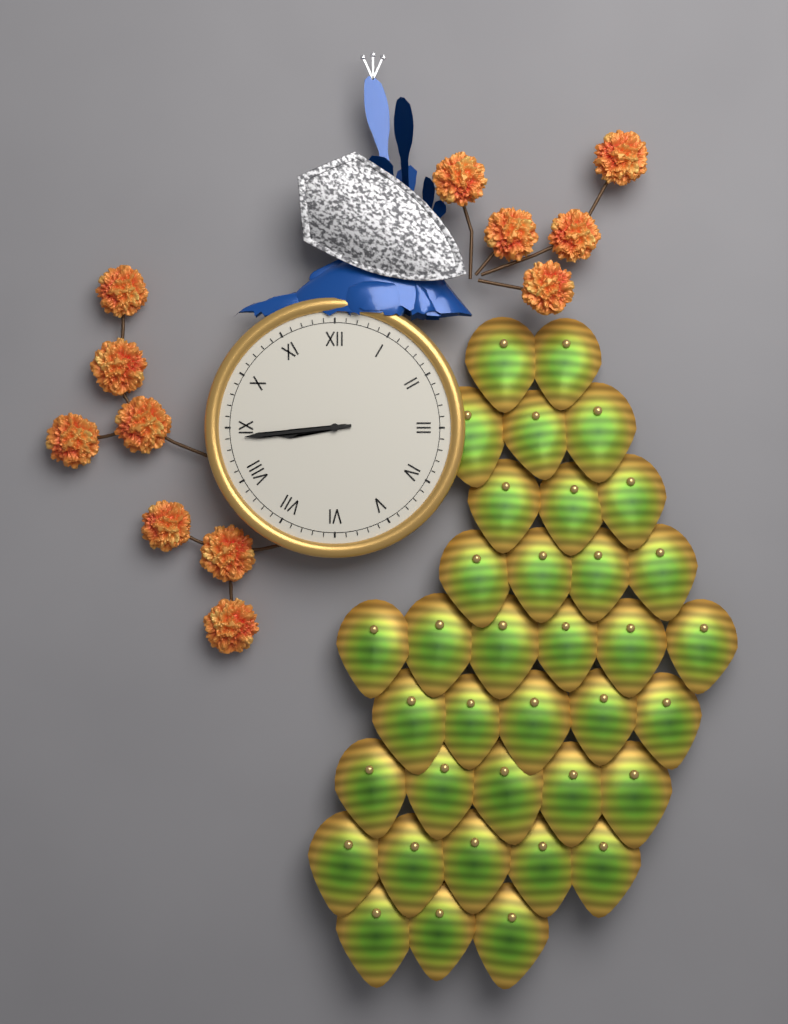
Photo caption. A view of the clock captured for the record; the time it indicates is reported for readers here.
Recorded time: 8:44
